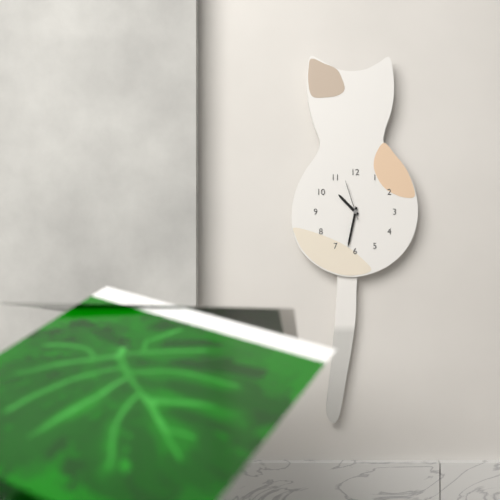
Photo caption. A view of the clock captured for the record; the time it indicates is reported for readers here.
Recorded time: 10:32
